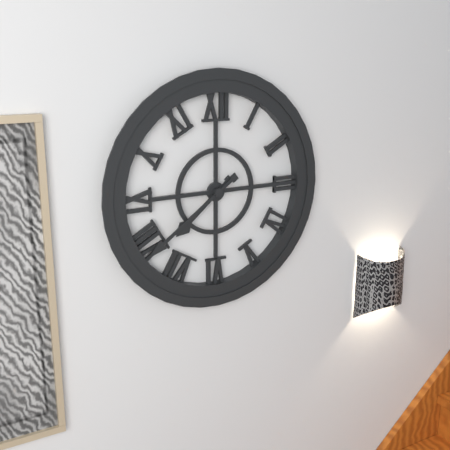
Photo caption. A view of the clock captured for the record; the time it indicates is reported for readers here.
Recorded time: 7:39
